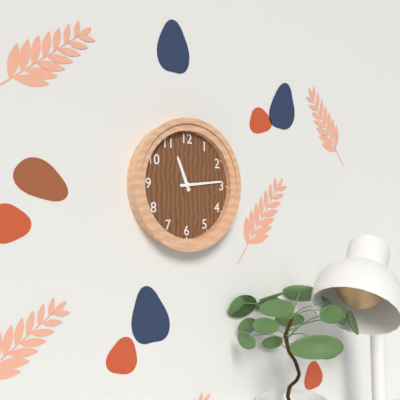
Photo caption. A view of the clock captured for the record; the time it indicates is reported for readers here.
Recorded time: 11:14
